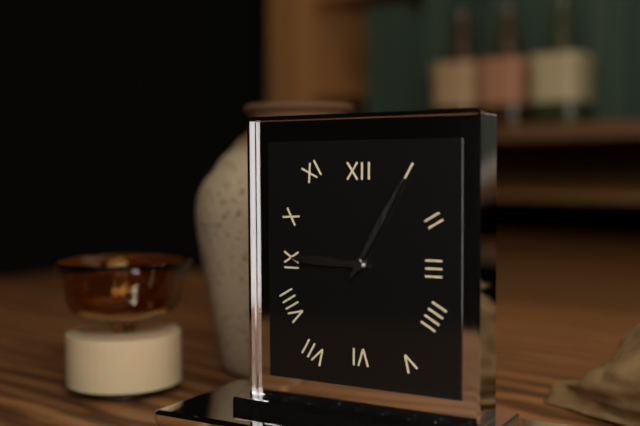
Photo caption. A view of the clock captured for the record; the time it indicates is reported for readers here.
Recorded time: 9:05
